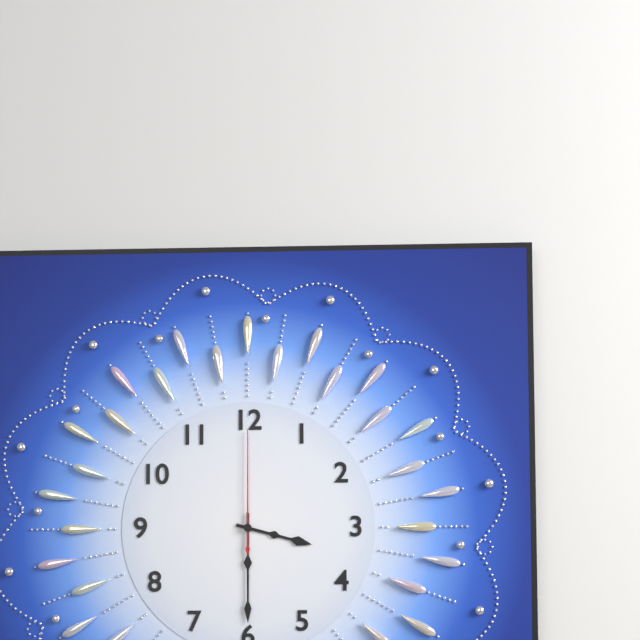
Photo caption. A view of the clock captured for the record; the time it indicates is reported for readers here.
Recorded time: 3:30:00
